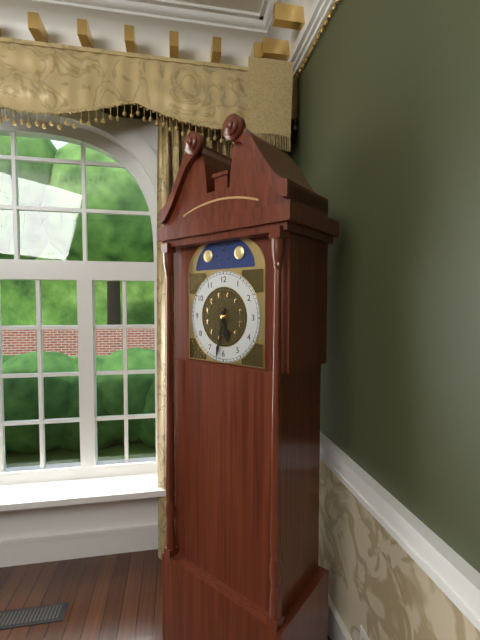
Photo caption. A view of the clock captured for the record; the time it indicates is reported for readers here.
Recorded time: 5:32
